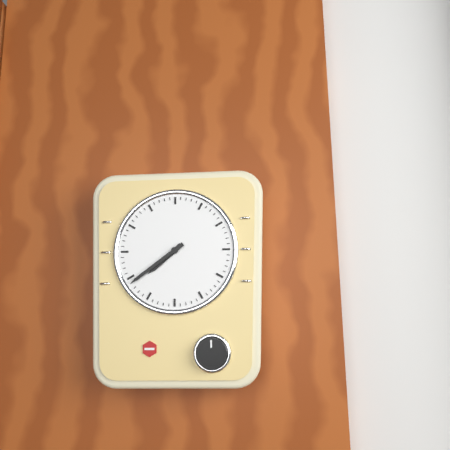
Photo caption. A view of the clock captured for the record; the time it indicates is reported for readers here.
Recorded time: 7:39
